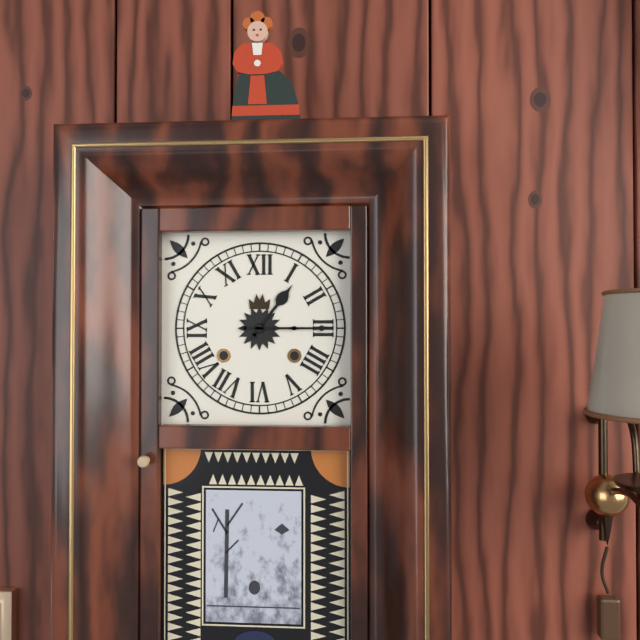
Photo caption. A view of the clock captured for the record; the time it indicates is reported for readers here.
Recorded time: 1:15
